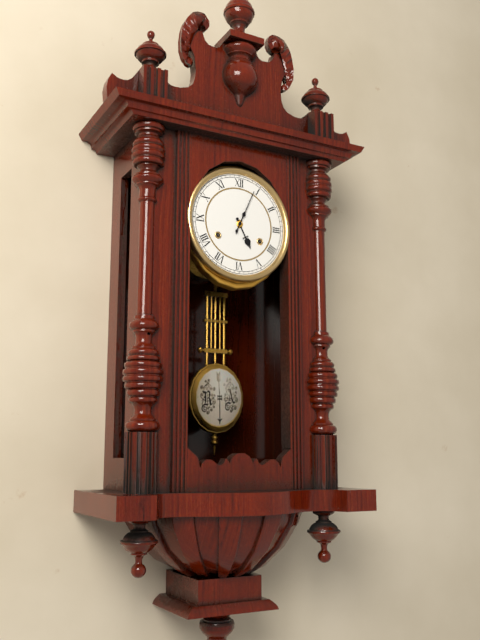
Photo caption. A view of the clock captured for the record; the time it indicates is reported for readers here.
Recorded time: 5:04
